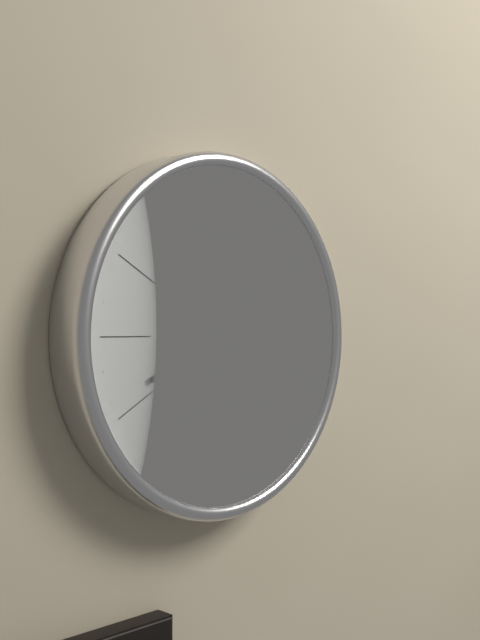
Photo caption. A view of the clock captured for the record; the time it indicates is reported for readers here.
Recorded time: 8:13
